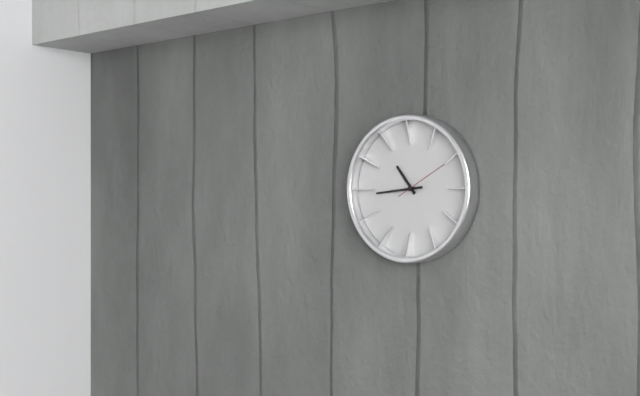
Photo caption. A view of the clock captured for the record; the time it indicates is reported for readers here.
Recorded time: 10:44:10
